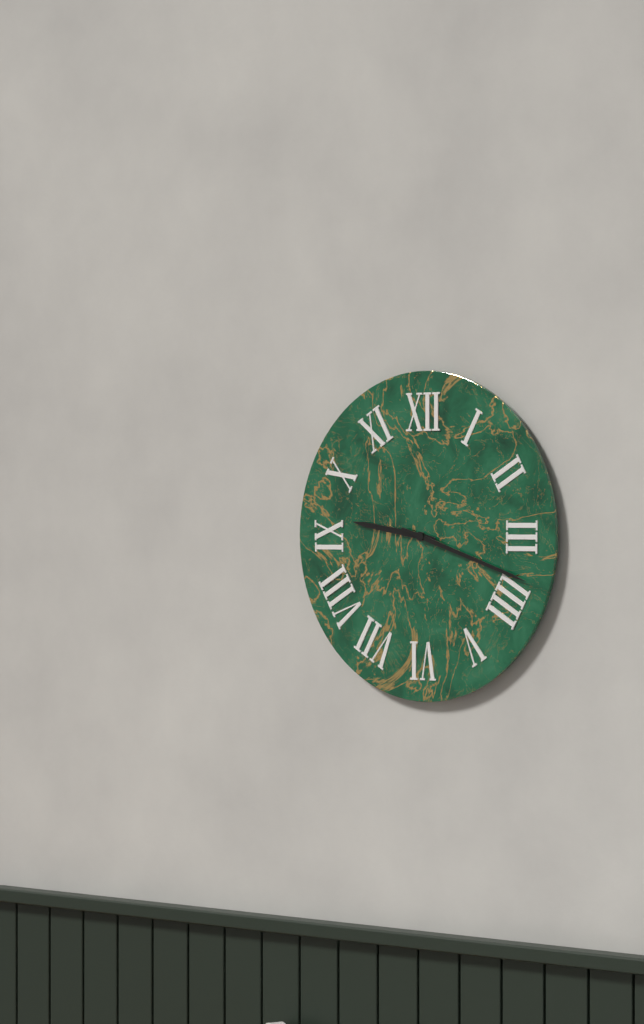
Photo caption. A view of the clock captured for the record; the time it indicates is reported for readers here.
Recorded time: 9:18
